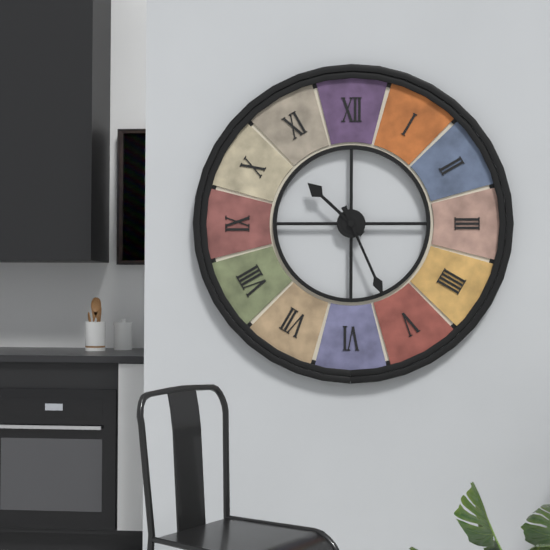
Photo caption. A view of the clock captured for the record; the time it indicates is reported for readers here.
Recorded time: 10:26
